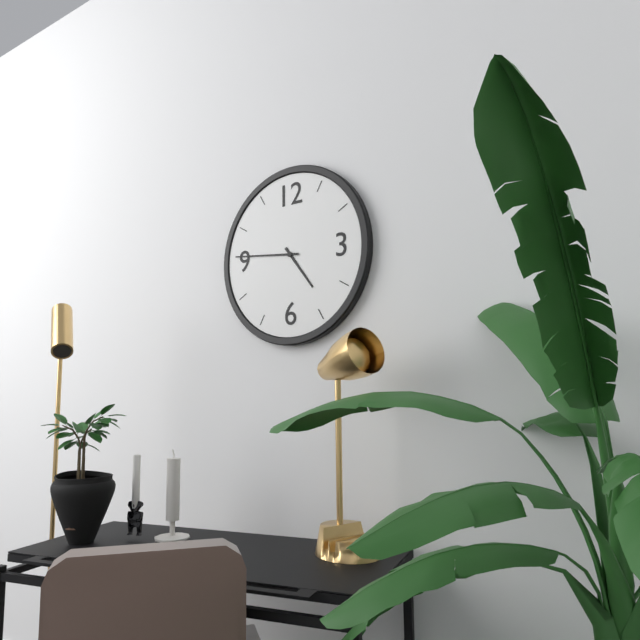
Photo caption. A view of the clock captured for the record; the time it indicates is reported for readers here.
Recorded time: 4:46
